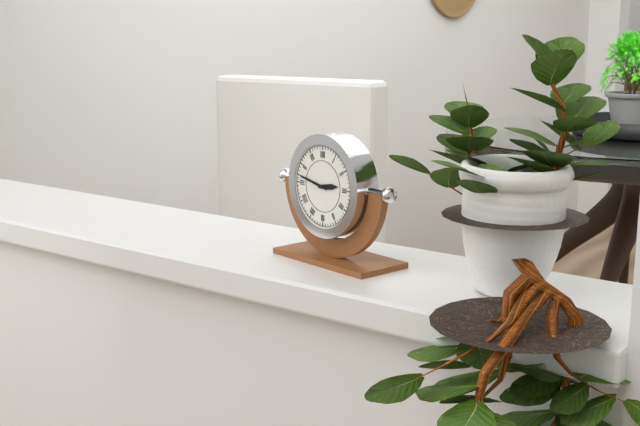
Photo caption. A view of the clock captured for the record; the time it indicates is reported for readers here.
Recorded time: 2:47
